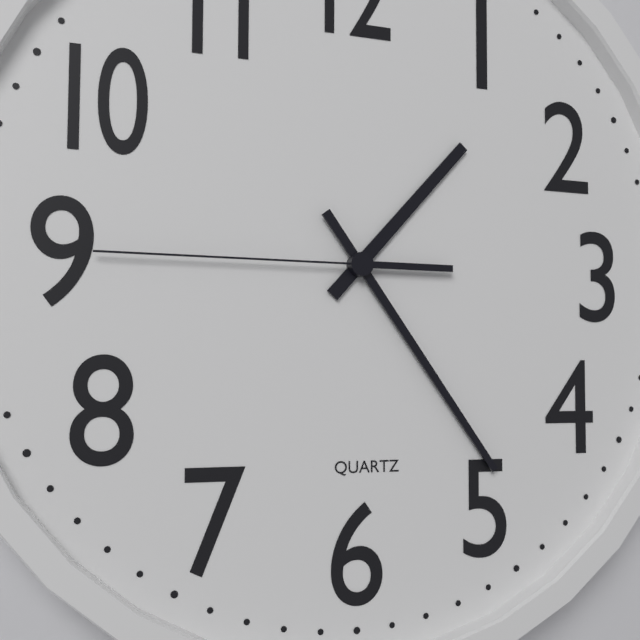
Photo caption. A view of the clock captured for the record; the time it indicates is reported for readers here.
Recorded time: 1:24:45
